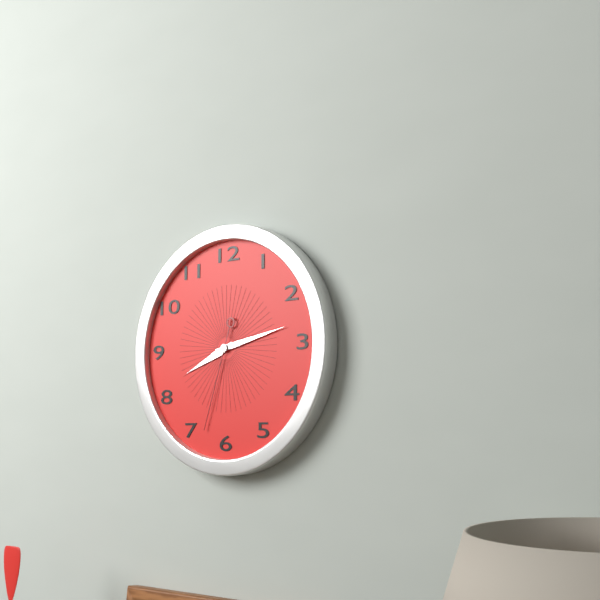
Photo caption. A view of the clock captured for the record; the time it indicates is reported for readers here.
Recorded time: 8:13:33
